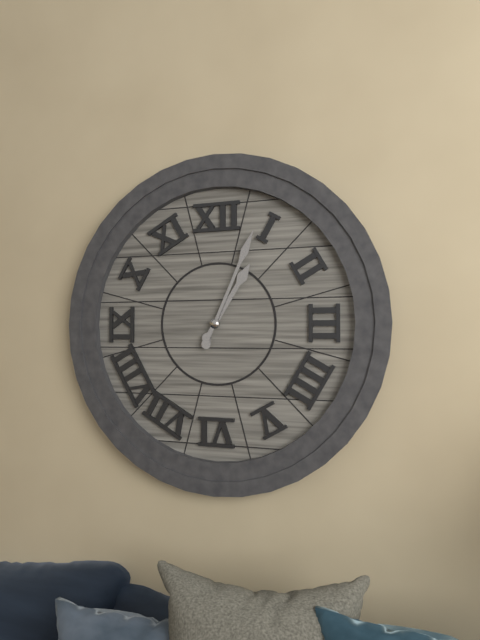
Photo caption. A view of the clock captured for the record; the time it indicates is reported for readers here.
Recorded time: 1:04
